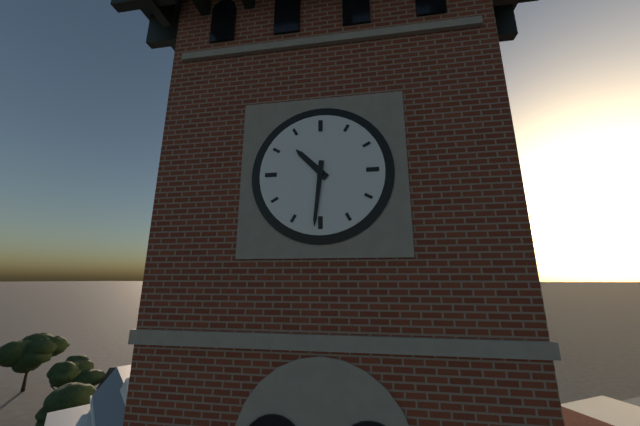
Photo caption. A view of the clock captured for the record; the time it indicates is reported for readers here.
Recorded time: 10:31
